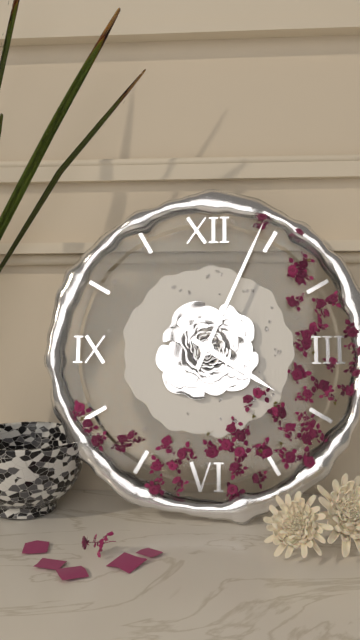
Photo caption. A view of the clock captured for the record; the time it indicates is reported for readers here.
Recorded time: 4:04
